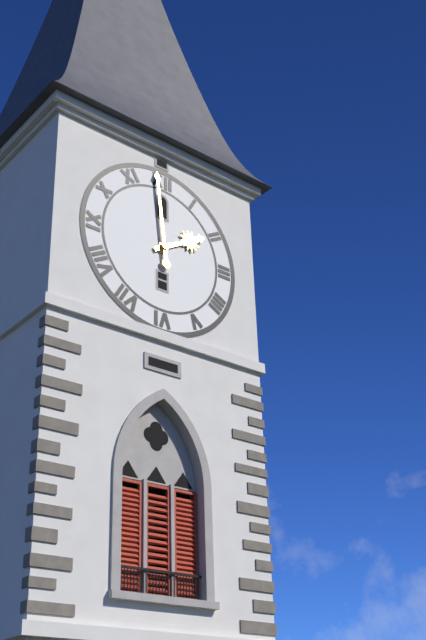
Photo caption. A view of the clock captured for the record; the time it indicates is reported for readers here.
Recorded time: 1:59
